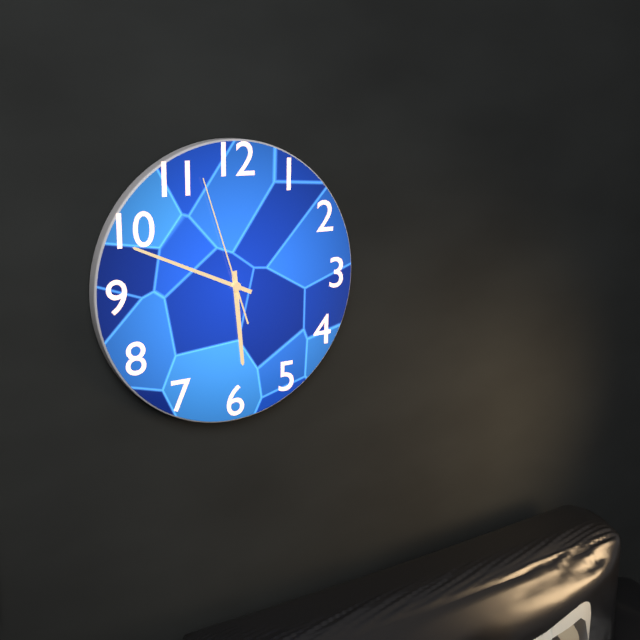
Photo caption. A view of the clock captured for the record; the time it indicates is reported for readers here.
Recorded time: 5:49:57
